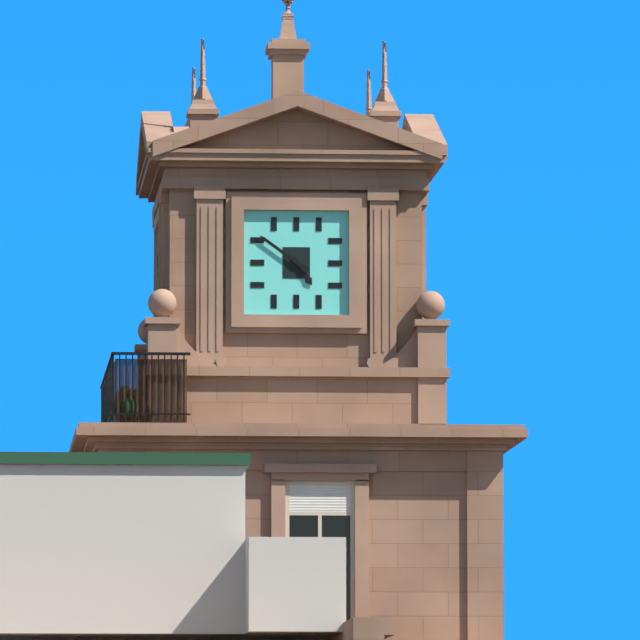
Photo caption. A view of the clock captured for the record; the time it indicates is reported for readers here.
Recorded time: 4:51
